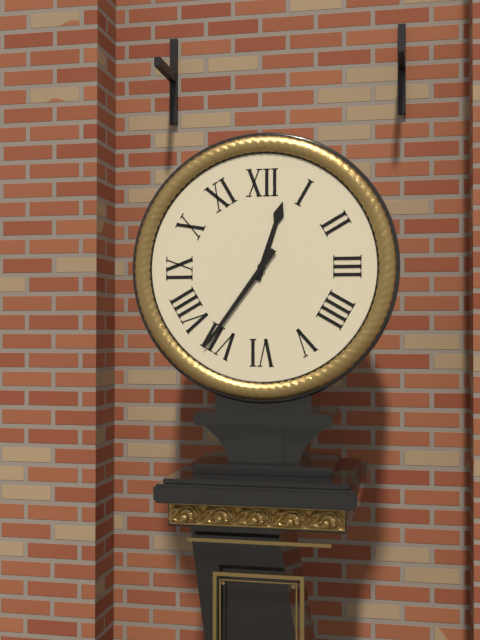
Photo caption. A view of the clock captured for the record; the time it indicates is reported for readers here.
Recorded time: 12:36
